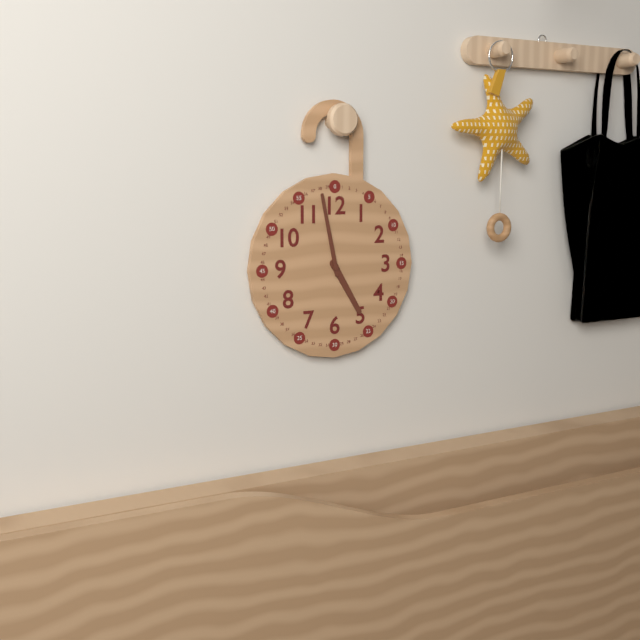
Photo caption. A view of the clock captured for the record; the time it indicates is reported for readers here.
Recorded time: 4:58
